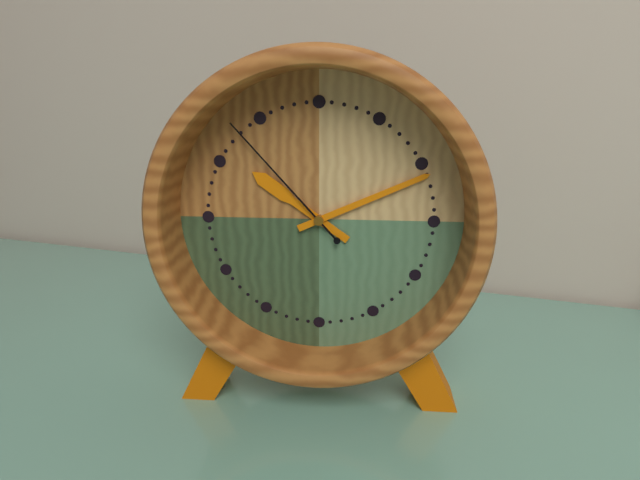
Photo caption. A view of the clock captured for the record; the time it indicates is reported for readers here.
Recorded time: 10:11:53
